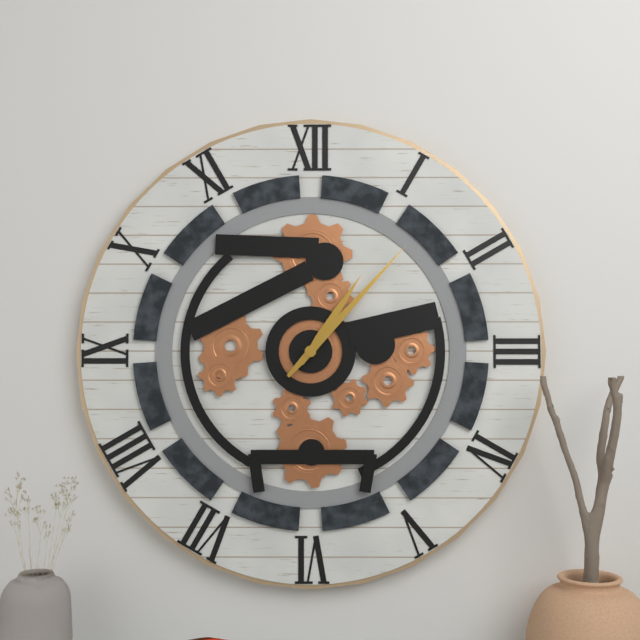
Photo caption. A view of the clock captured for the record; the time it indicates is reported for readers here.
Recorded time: 1:07
